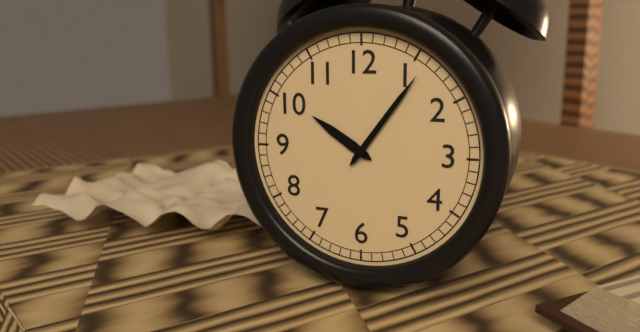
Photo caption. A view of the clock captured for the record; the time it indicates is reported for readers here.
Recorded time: 10:06
